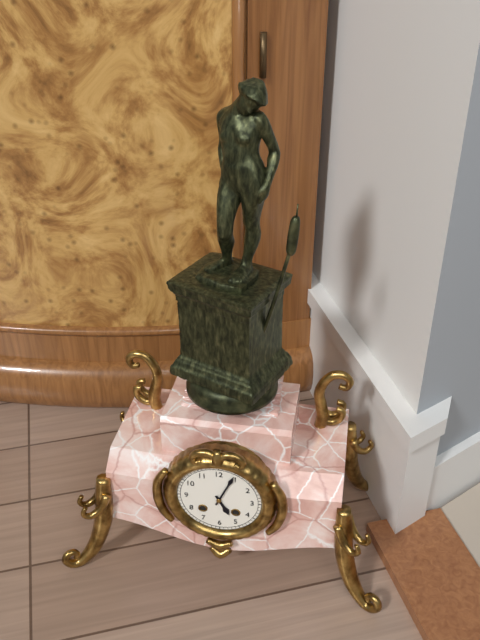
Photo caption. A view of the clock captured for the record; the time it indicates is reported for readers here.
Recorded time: 5:04
